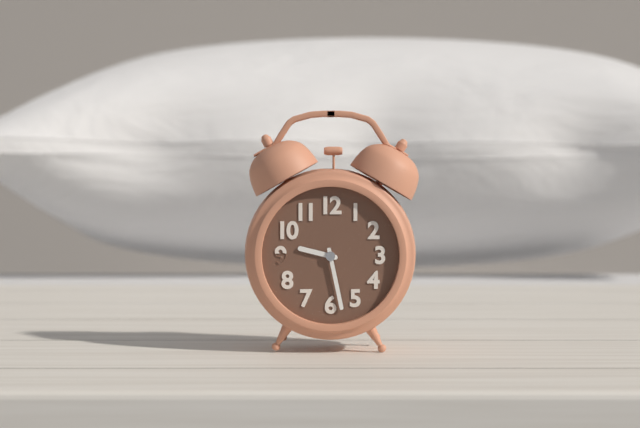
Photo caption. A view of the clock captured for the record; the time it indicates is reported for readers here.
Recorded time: 9:28
